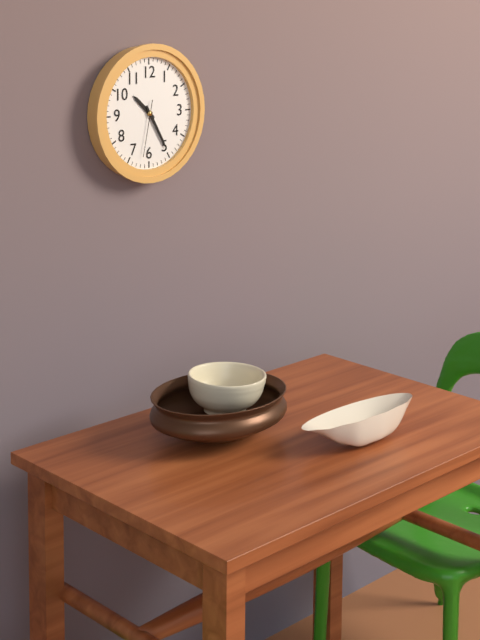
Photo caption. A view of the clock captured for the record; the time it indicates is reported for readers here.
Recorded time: 10:25:32
